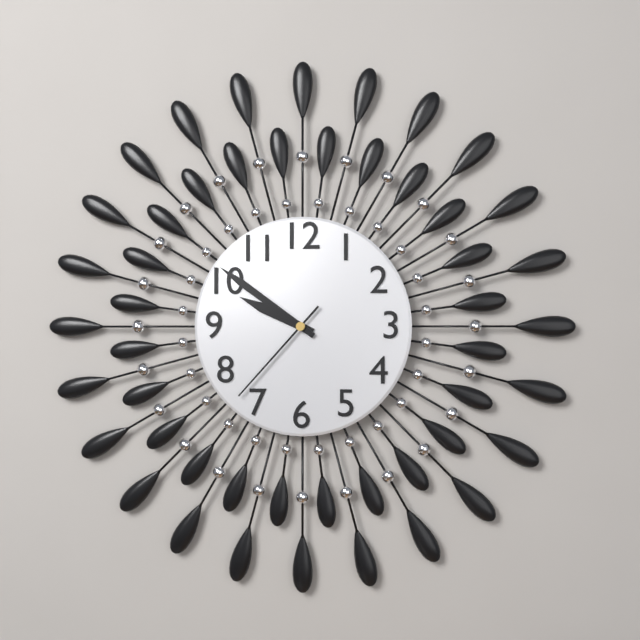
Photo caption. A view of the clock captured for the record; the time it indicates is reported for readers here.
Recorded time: 9:51:37
